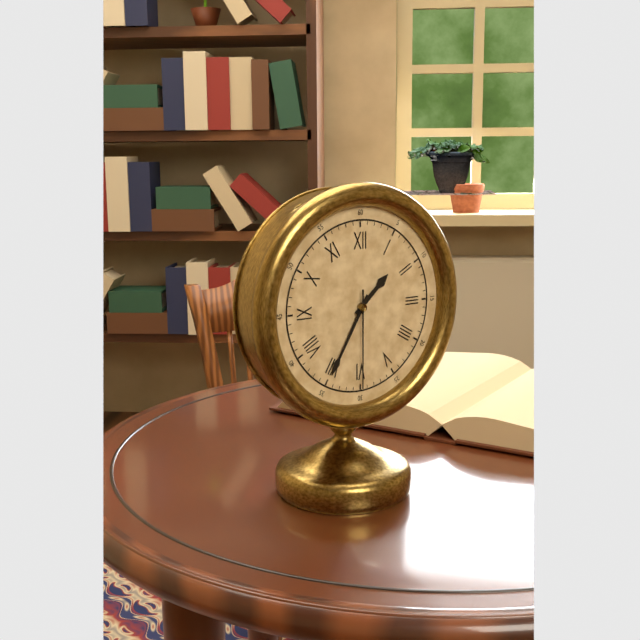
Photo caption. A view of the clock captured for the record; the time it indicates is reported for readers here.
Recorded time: 1:35:30
